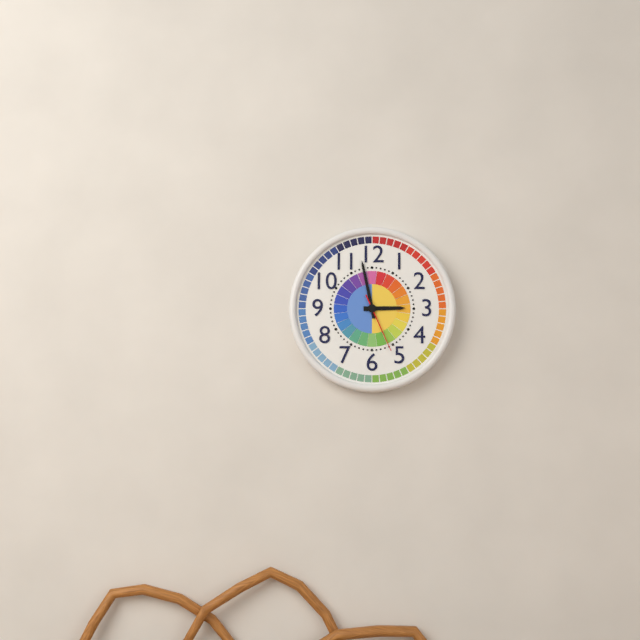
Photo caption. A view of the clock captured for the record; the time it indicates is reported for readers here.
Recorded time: 2:58:26
